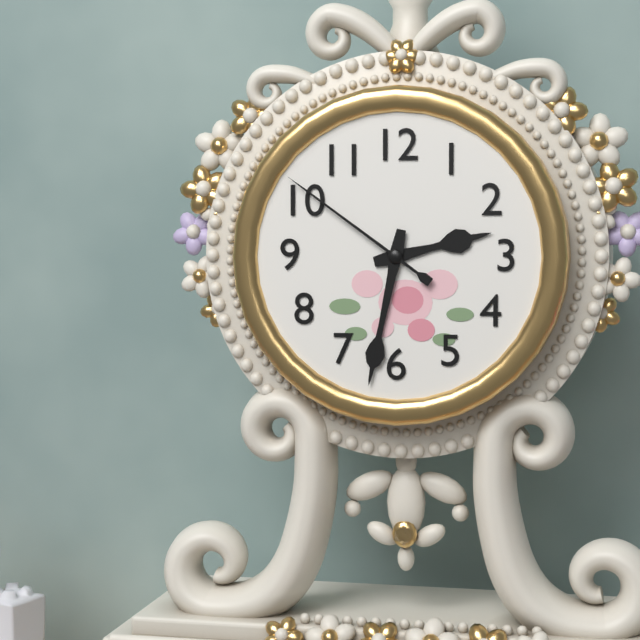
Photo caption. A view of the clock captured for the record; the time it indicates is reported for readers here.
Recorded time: 2:32:51
